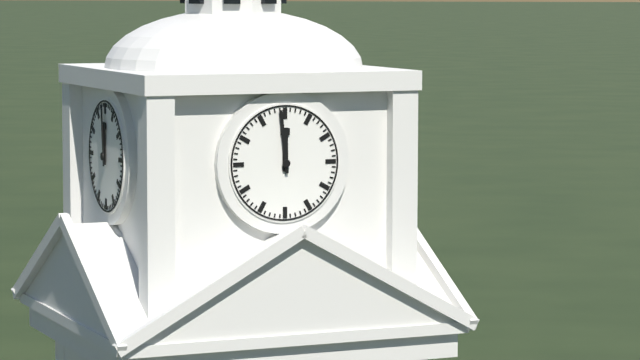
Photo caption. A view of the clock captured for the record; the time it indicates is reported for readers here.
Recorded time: 11:59
